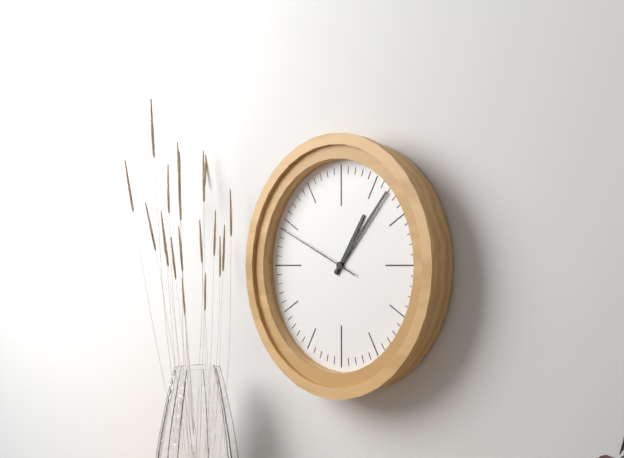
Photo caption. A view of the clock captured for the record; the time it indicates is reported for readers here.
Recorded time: 1:07:49
